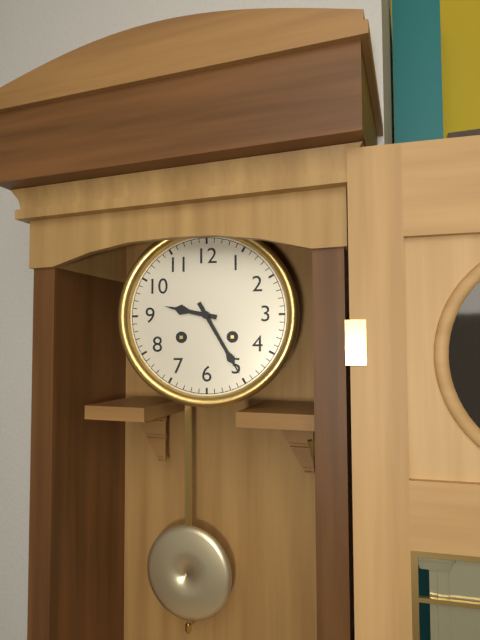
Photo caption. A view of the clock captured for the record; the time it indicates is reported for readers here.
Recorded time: 9:25
